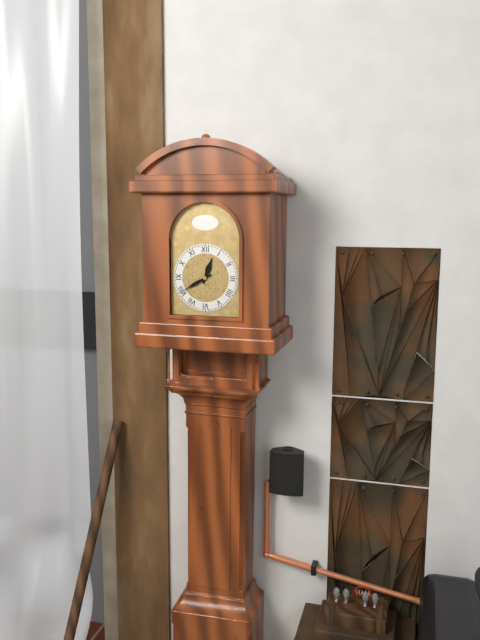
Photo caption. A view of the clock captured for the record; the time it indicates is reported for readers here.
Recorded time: 12:40
